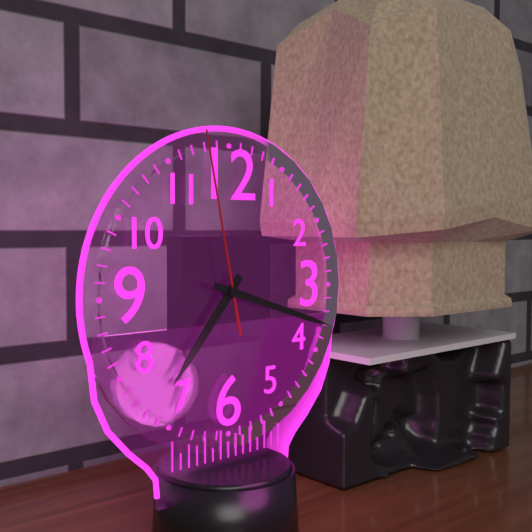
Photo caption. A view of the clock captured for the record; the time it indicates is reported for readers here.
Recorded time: 7:18:58
